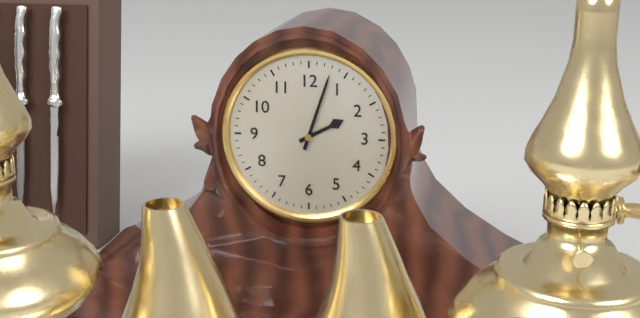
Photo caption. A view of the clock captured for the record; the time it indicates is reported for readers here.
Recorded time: 2:03
